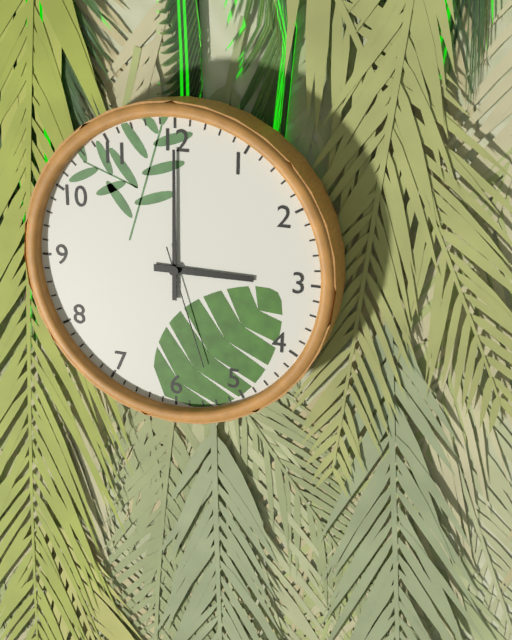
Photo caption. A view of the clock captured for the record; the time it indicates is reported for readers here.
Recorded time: 3:00:27
